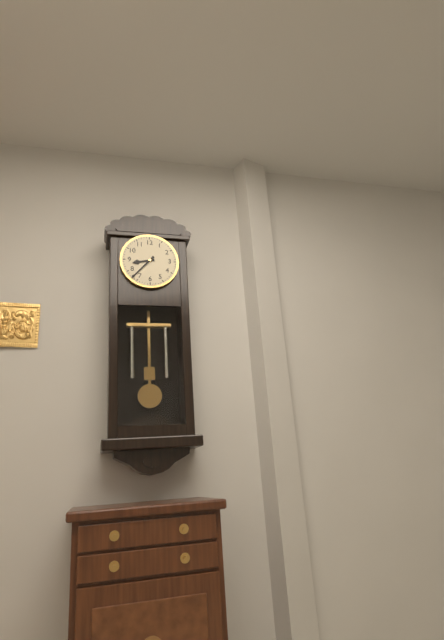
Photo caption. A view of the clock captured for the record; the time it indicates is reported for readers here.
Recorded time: 8:37
